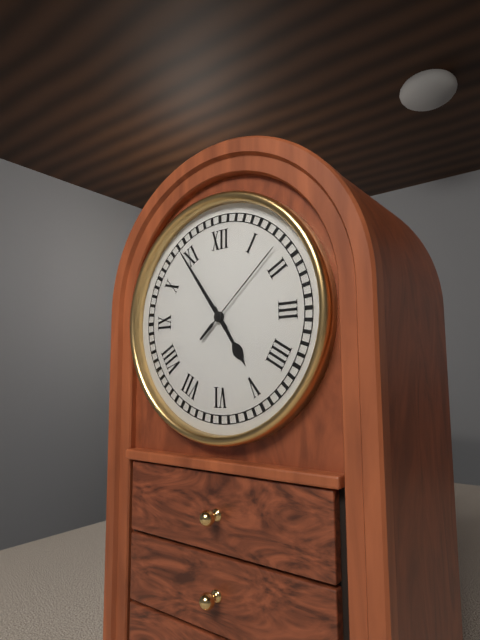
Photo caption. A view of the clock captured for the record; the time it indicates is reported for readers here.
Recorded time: 4:54:08
